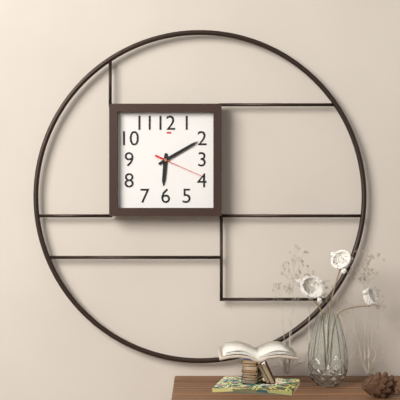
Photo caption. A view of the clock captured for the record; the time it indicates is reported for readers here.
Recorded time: 6:10
